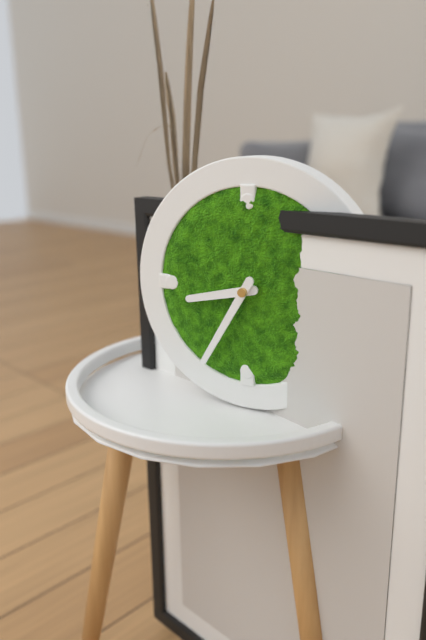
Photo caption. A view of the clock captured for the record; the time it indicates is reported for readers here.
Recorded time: 8:35
